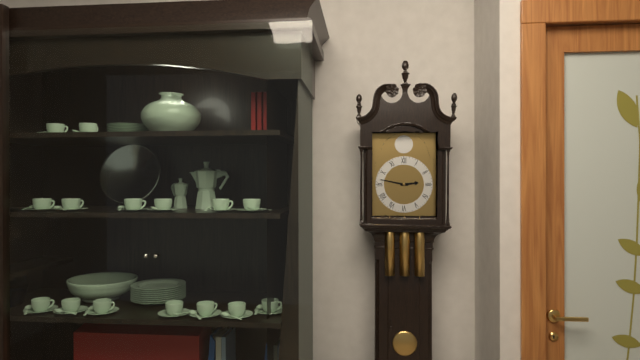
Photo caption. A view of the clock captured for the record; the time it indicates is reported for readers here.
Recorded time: 2:47
